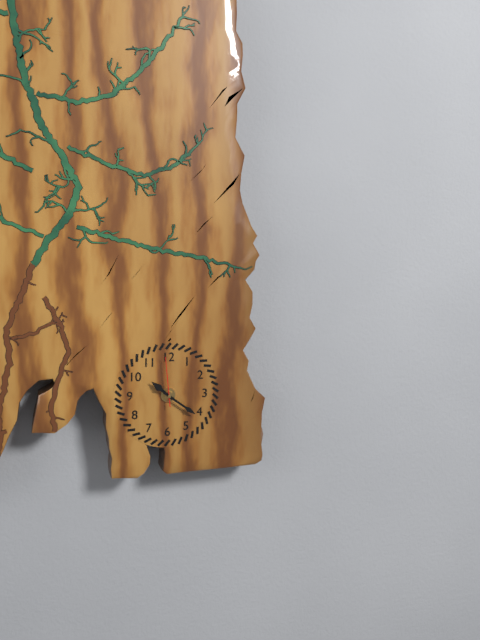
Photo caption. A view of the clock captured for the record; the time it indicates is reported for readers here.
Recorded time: 10:21
